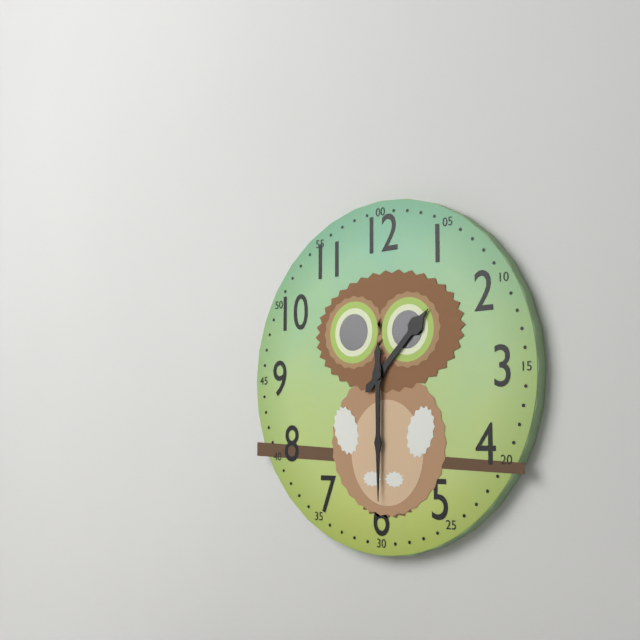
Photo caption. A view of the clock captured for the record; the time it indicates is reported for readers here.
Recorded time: 1:30
